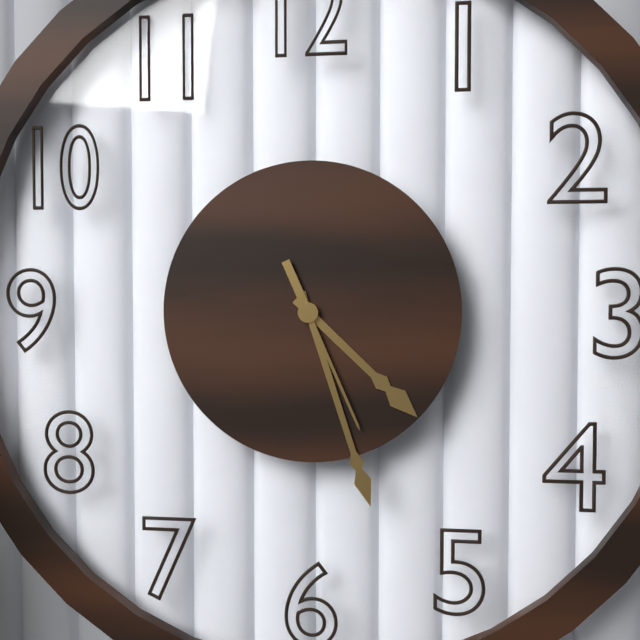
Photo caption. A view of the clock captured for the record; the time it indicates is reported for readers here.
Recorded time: 4:27:26
